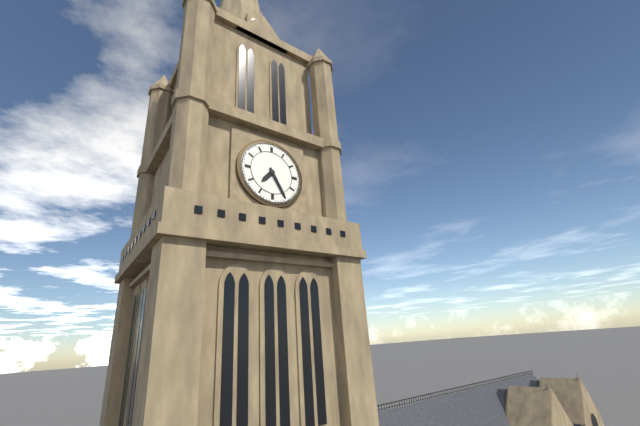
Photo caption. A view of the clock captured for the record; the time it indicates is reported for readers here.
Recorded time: 7:25
